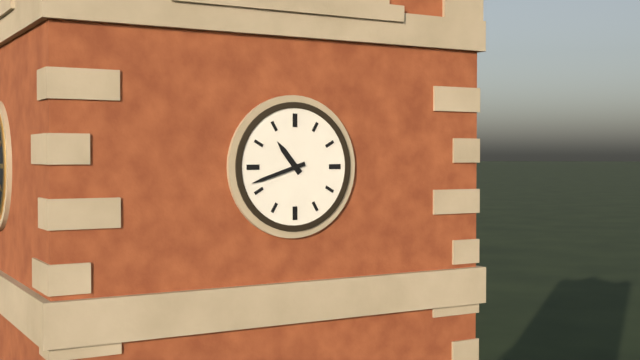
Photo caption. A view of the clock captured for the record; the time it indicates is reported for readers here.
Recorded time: 10:42
